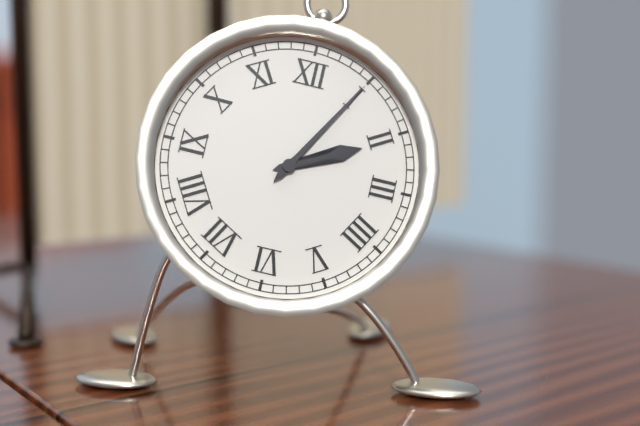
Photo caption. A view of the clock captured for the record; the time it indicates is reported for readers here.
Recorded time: 2:05
